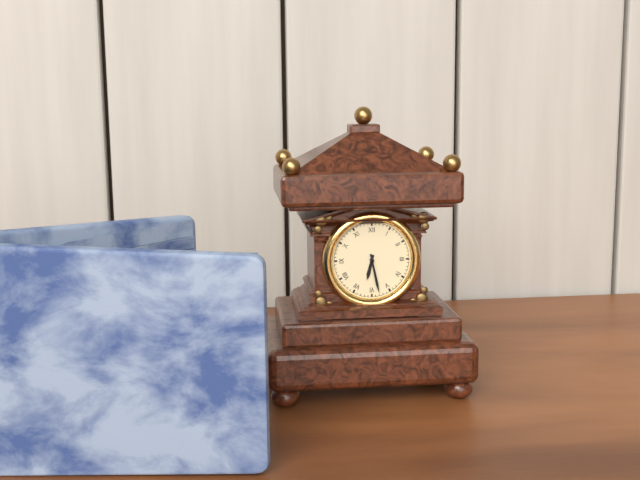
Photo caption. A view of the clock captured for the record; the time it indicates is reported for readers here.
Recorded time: 6:28
